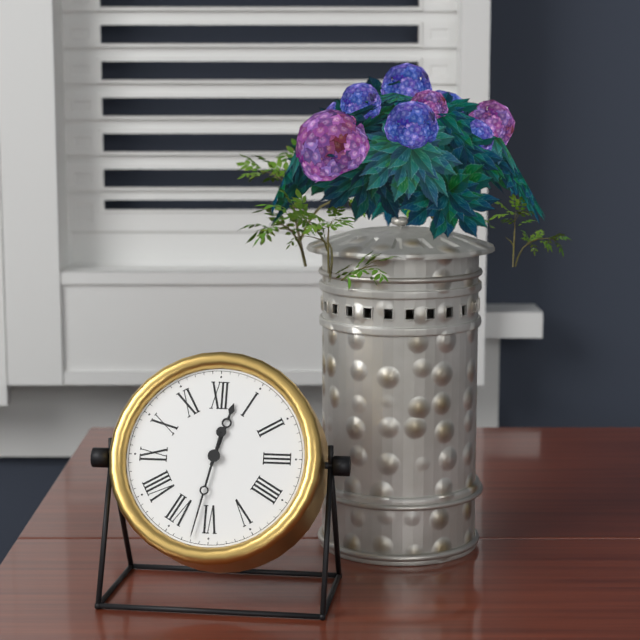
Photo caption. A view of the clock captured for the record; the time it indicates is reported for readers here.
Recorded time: 12:32
